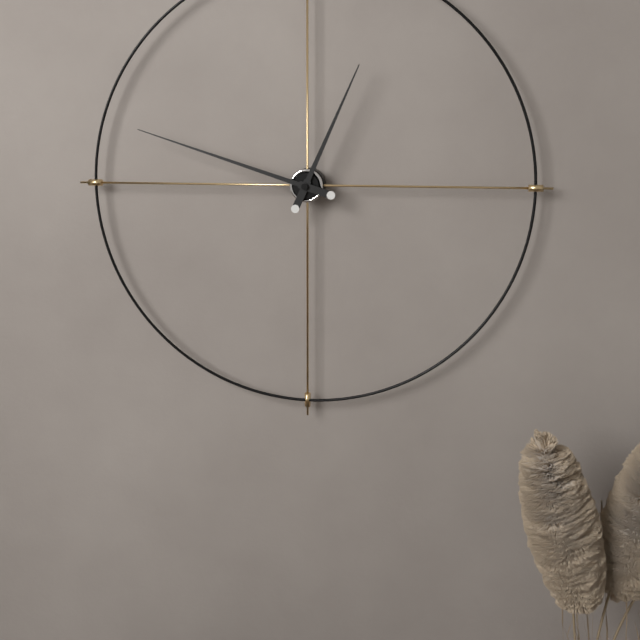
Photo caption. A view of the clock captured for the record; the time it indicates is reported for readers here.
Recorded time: 12:48
